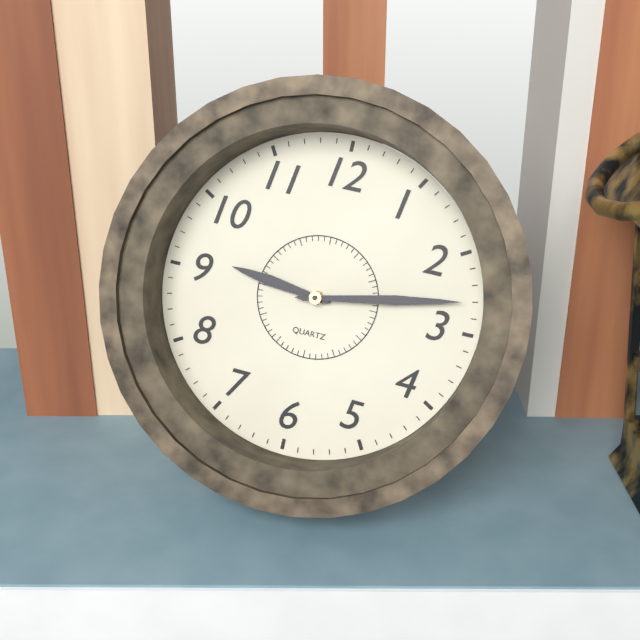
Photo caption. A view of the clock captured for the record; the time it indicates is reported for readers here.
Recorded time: 9:13
